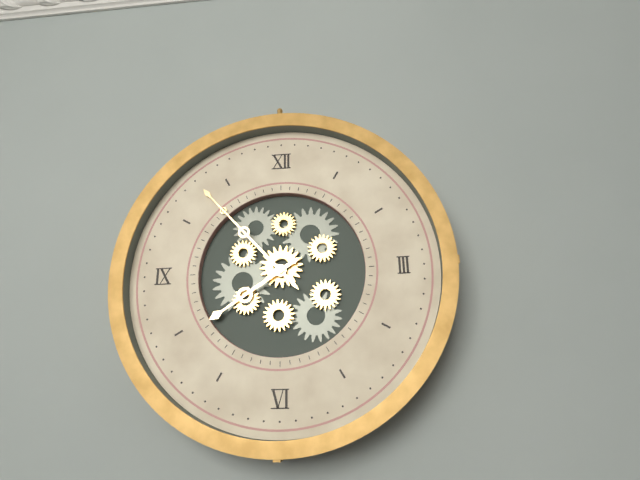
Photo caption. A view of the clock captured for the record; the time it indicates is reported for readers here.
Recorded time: 7:53
